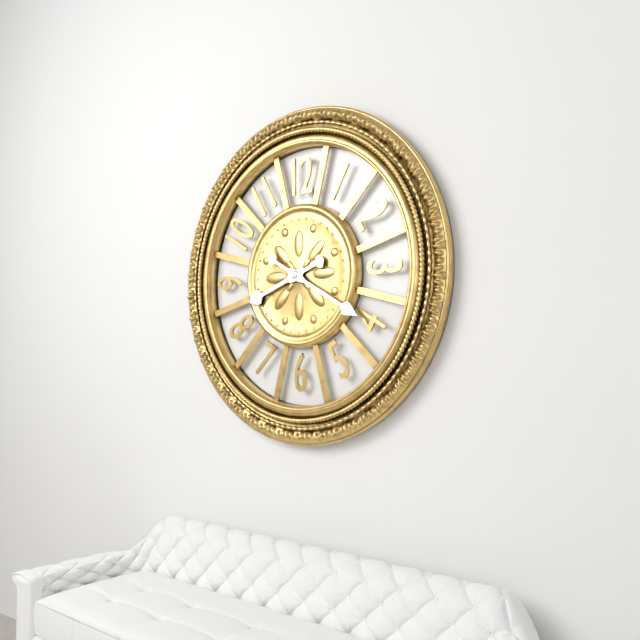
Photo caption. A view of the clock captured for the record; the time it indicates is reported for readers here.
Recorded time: 8:20
